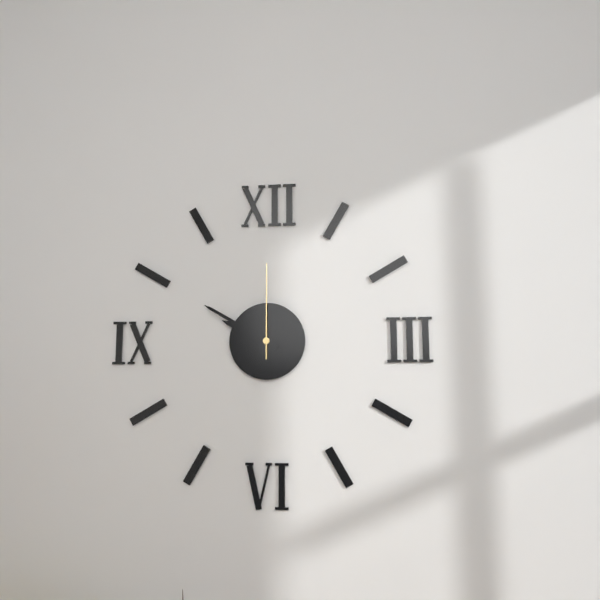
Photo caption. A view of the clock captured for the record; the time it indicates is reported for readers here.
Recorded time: 9:50:00
